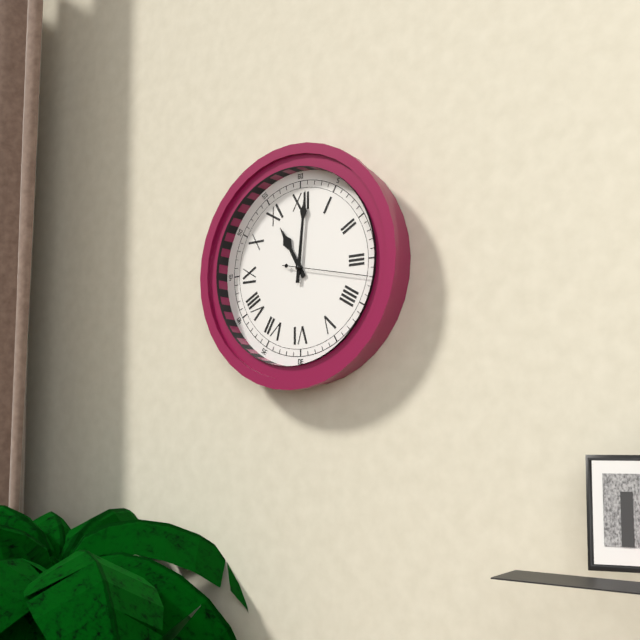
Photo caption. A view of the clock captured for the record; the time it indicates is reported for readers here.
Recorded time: 11:01:17
